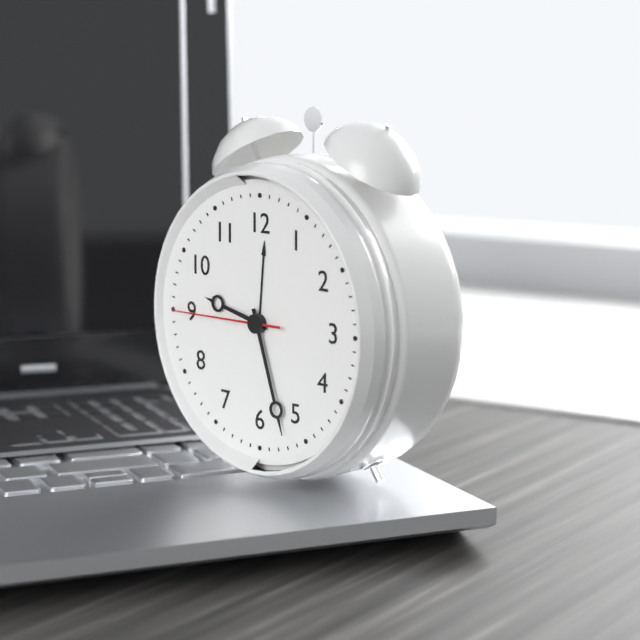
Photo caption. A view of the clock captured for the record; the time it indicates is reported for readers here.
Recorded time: 9:27:45
